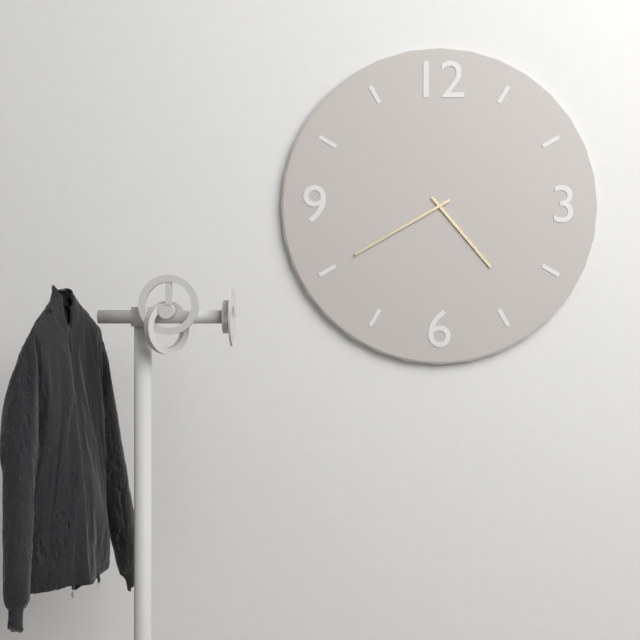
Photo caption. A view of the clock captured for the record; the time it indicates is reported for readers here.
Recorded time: 4:40
